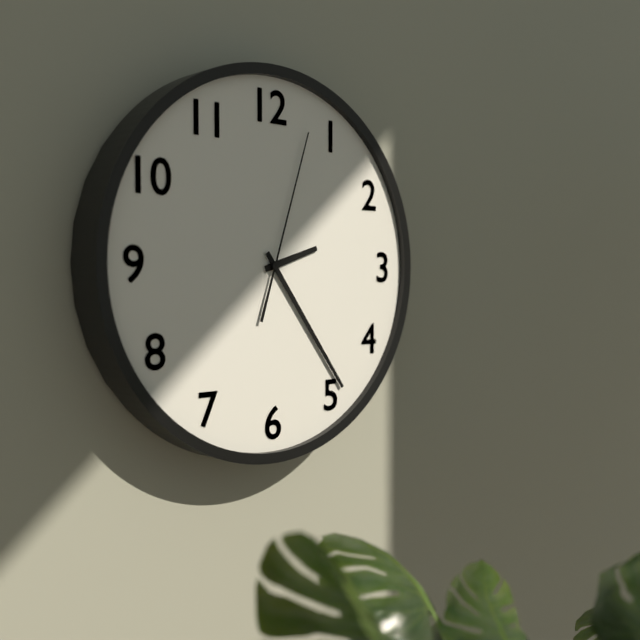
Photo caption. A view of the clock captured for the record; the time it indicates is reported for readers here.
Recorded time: 2:24:03
